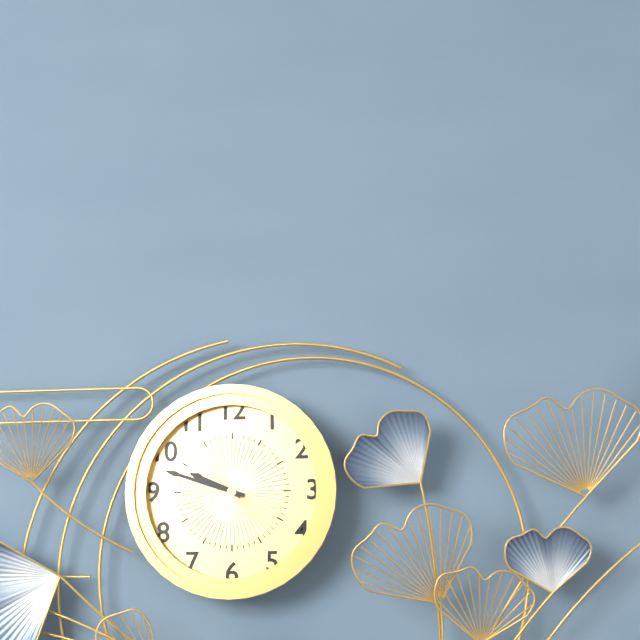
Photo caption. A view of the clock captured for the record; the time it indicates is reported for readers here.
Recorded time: 9:48
